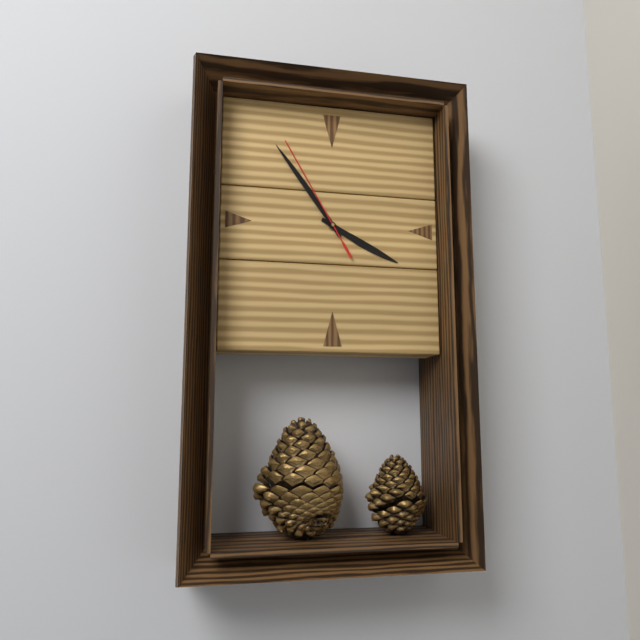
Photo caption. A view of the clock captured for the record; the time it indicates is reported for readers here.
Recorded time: 3:54:55
